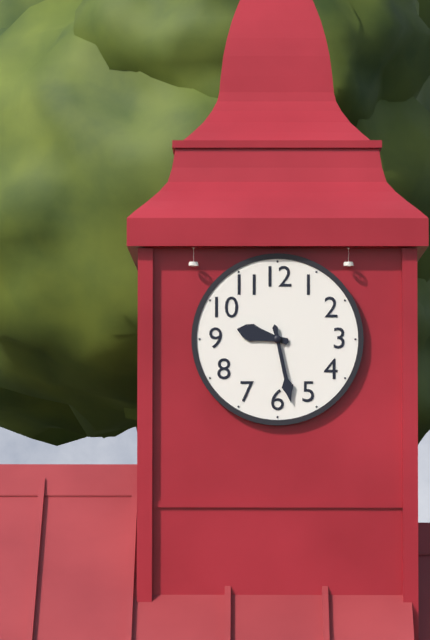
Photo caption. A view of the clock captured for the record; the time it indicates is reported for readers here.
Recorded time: 9:28
